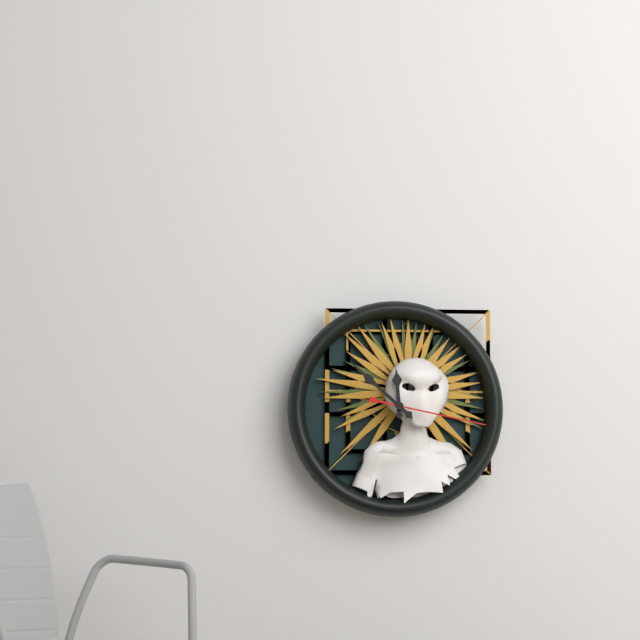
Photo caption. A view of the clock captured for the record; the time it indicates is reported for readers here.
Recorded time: 11:52:17
